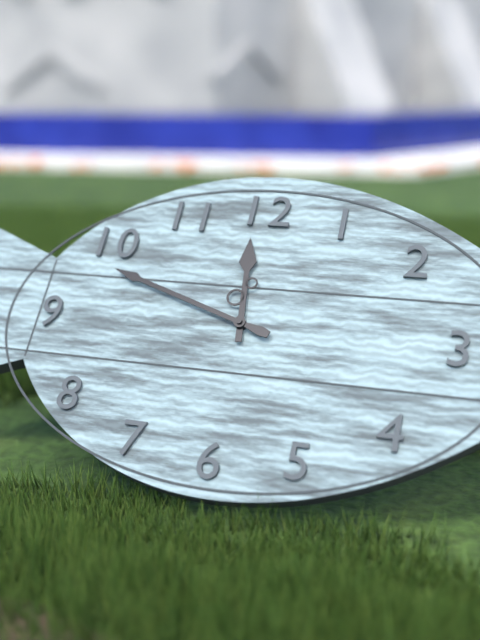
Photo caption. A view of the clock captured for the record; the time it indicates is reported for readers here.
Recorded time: 11:48
